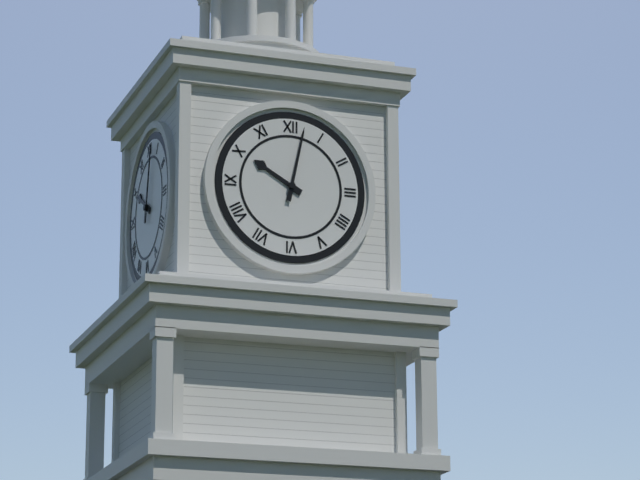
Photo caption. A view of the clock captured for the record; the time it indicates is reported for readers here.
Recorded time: 10:02
